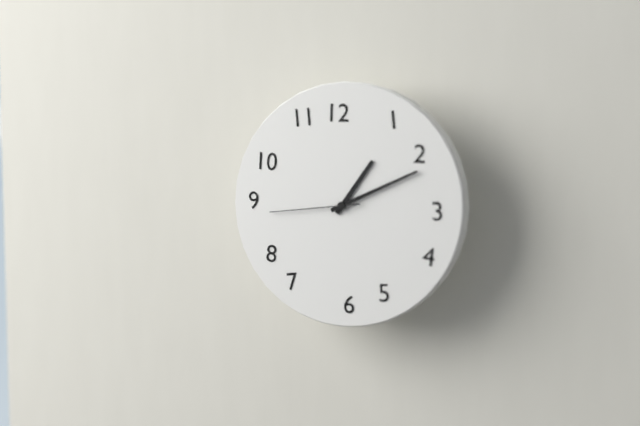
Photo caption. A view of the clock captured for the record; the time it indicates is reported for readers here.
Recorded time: 1:11:44
